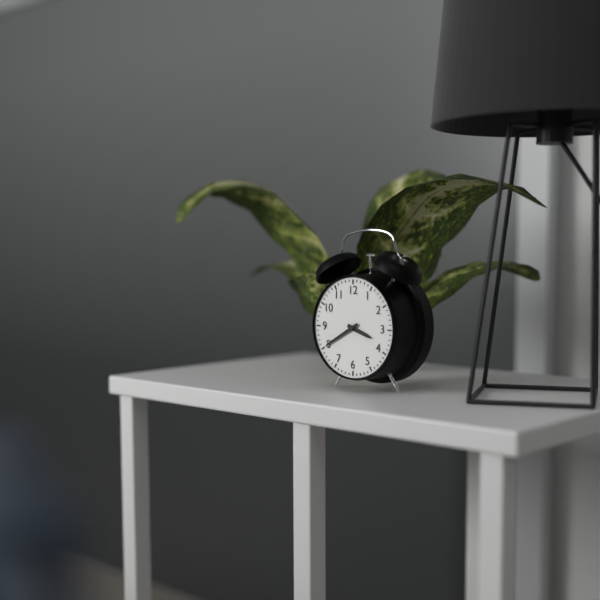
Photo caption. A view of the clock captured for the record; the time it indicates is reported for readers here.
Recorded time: 3:40
